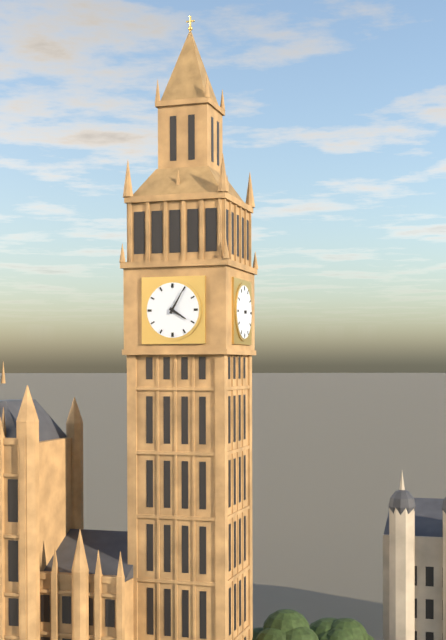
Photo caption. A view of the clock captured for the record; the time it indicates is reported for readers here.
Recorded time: 4:05
